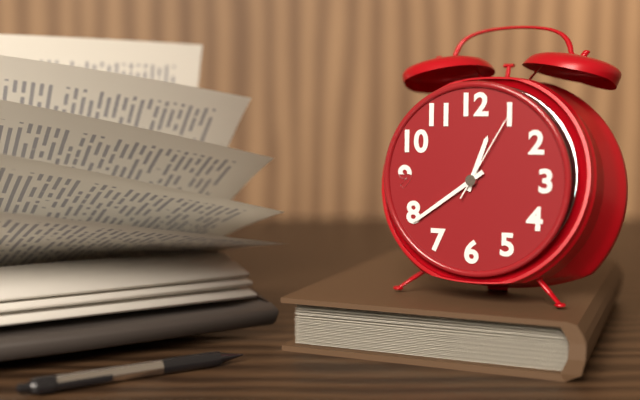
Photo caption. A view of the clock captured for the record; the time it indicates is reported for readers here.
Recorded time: 12:39:05
